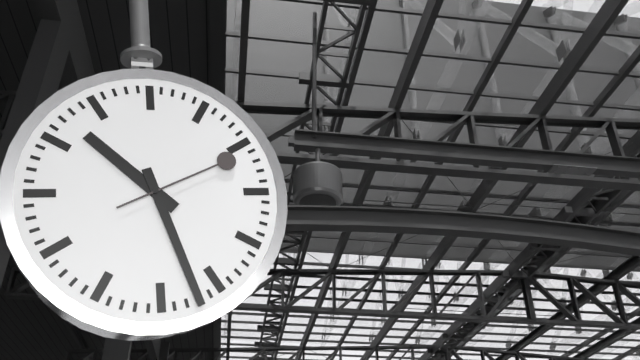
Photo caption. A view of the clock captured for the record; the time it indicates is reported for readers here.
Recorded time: 10:27:11
